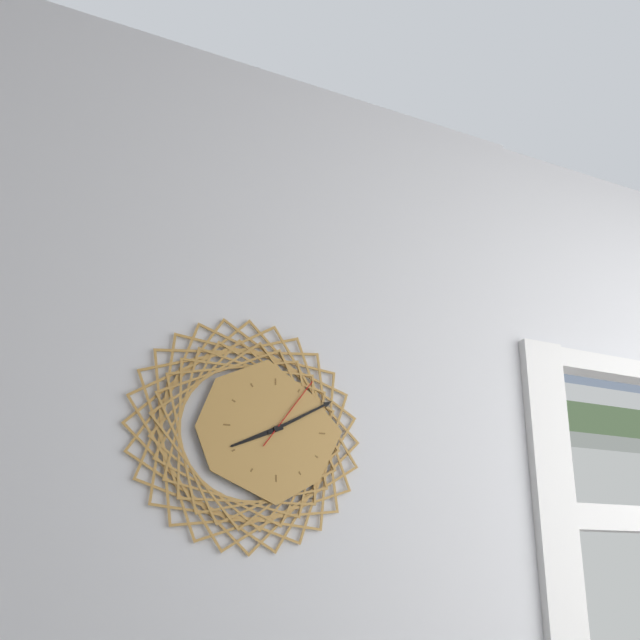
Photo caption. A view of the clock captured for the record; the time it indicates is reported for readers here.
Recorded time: 8:10:06
